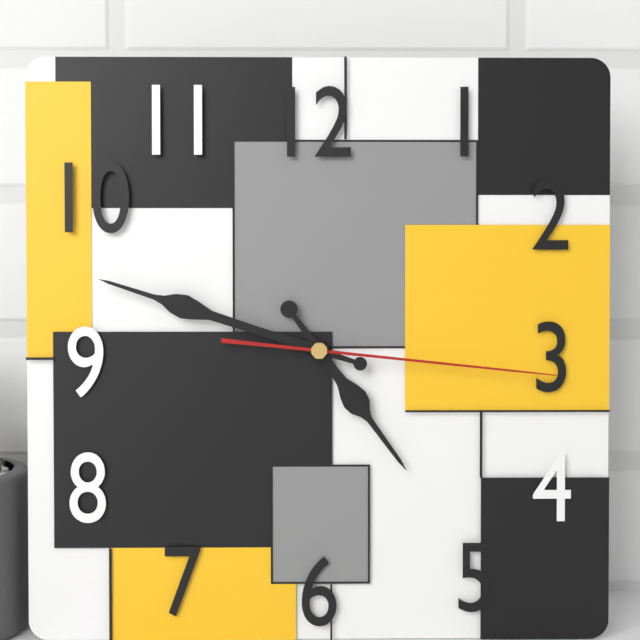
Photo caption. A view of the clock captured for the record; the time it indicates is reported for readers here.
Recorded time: 4:48:16
